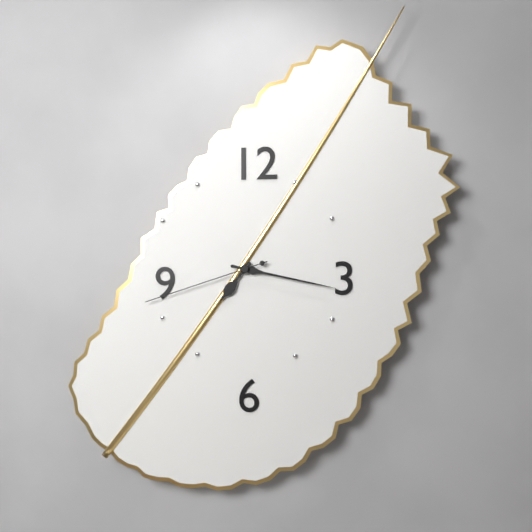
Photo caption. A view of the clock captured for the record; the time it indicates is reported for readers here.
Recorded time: 7:17:42
